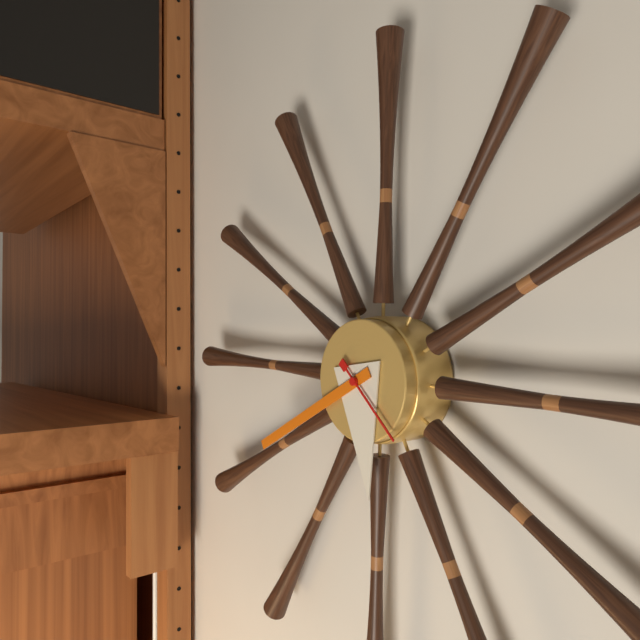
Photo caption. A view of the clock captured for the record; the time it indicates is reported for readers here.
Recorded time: 5:40:22
